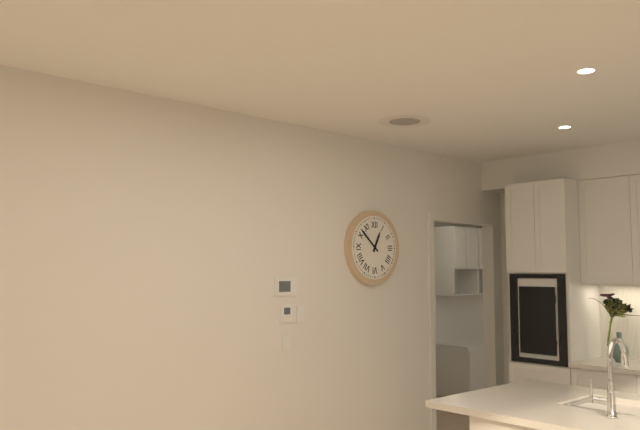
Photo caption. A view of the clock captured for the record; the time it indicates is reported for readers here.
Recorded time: 12:52
